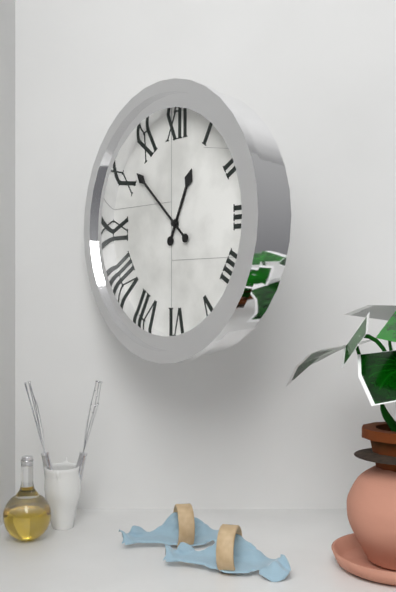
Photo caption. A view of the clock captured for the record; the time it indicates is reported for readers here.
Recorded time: 12:52
